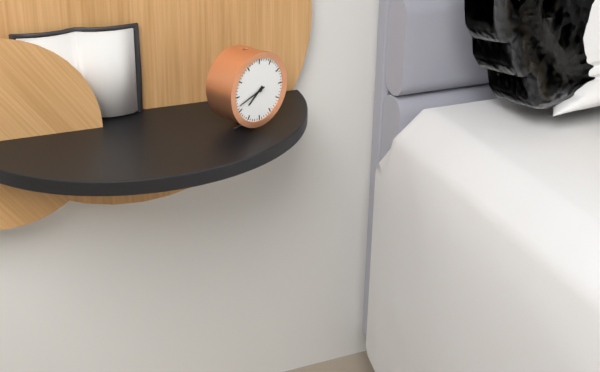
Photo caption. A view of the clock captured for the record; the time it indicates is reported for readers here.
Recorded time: 7:42
